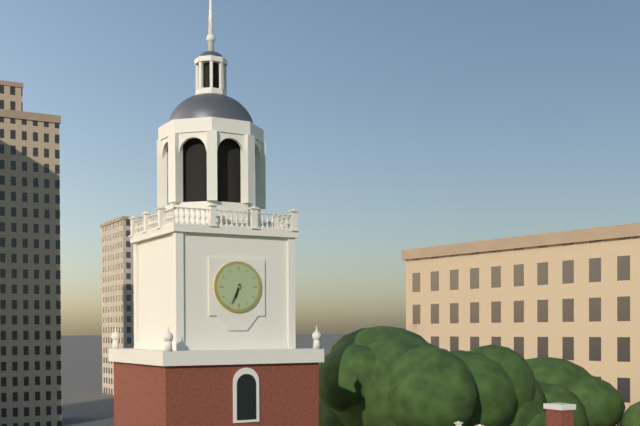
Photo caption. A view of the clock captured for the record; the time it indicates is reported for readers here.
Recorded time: 6:34
